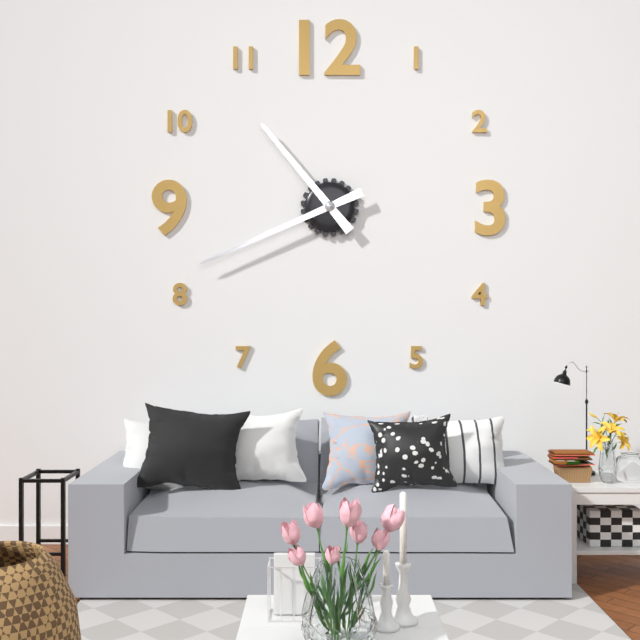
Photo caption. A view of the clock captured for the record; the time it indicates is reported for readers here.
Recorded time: 10:41
